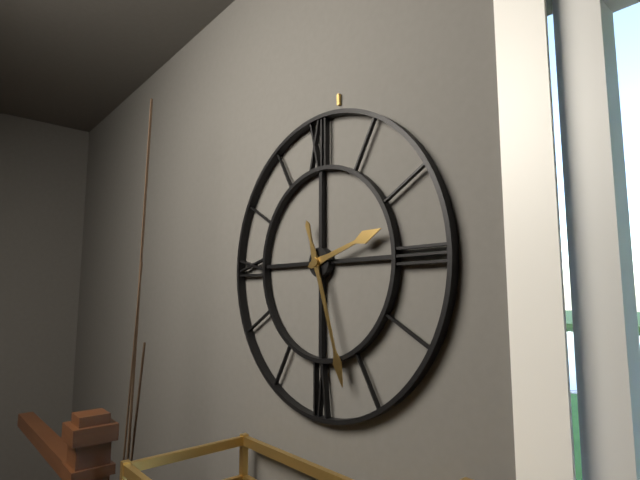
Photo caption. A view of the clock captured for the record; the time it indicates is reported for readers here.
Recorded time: 2:27
